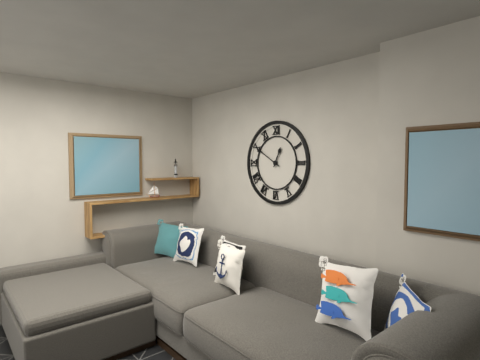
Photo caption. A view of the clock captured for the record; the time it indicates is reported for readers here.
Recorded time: 12:50
